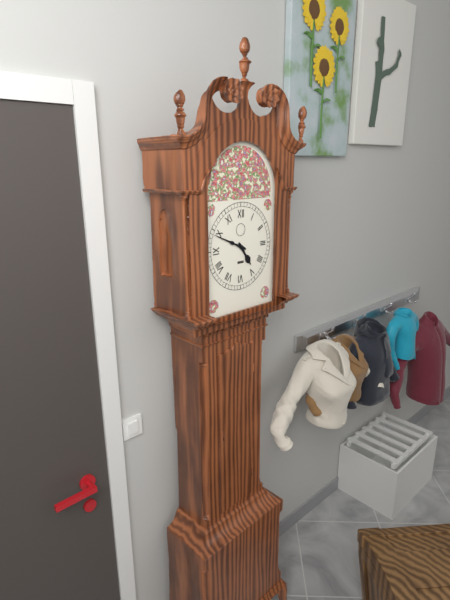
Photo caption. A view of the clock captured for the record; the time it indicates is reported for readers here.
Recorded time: 4:49
